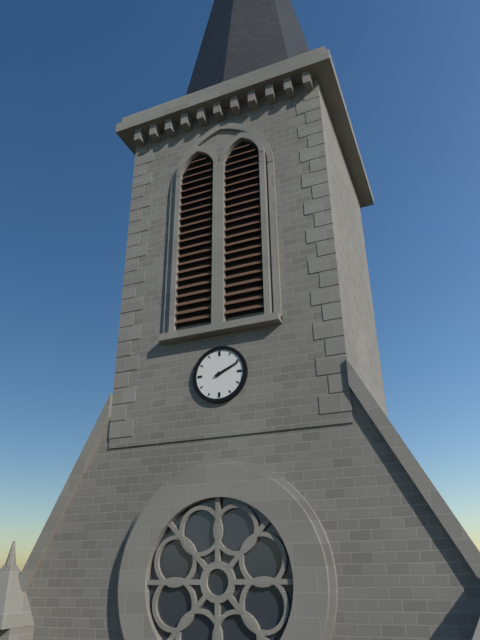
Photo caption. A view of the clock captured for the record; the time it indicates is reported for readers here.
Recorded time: 2:11
